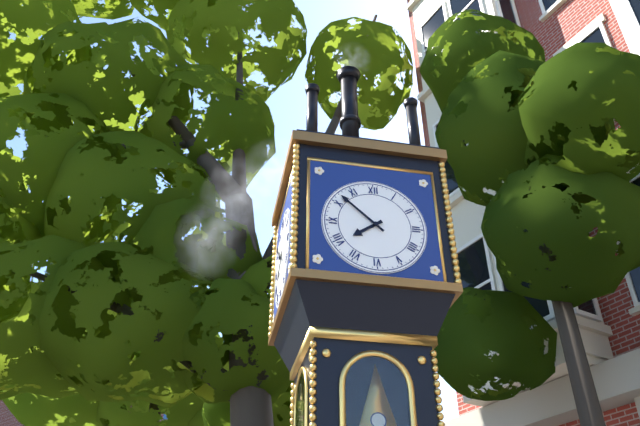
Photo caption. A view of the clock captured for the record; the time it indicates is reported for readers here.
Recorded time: 7:52
